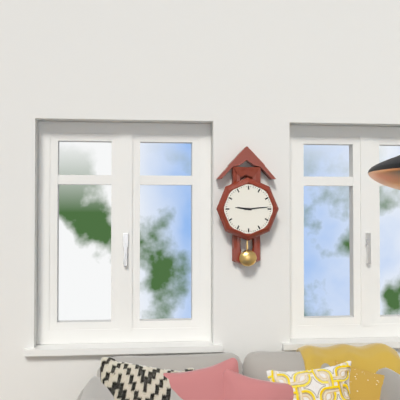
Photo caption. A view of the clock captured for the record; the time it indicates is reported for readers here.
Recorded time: 9:14
